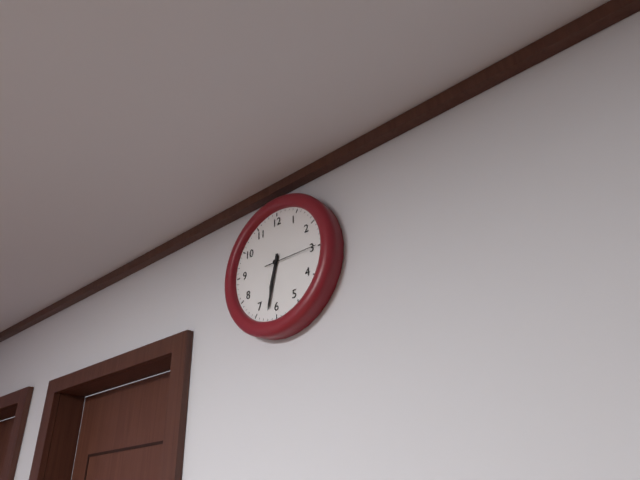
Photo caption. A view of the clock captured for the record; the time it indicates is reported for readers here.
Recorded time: 6:32:15
